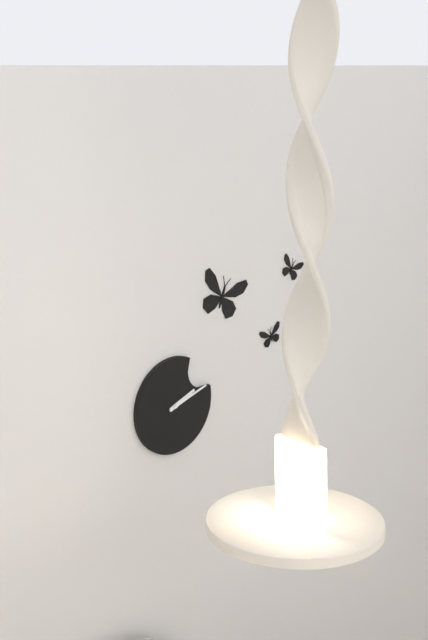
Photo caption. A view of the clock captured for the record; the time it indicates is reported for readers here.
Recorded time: 2:12
